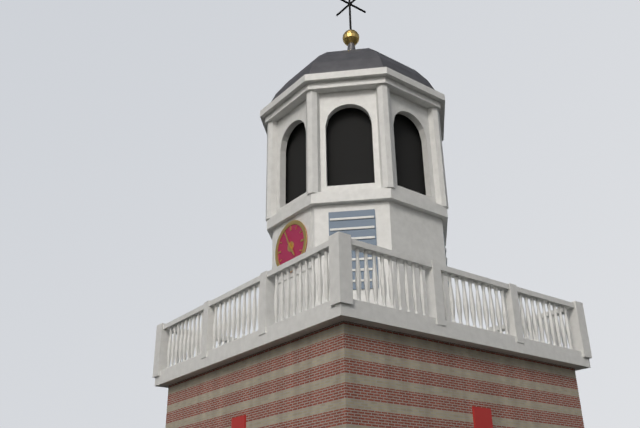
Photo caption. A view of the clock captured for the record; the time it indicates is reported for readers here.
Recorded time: 4:56
